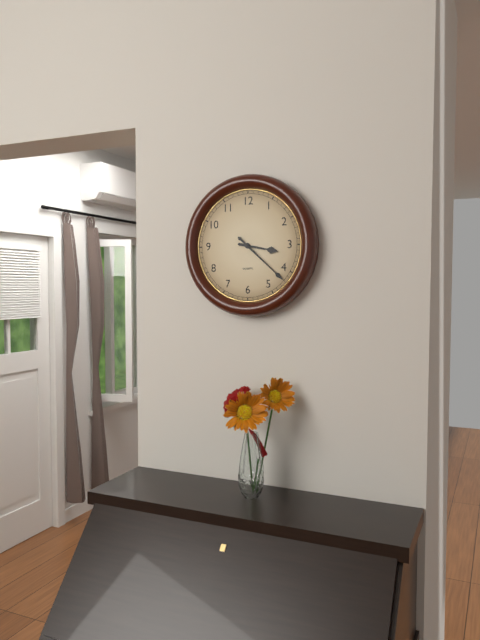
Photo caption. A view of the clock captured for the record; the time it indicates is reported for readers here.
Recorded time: 3:22
